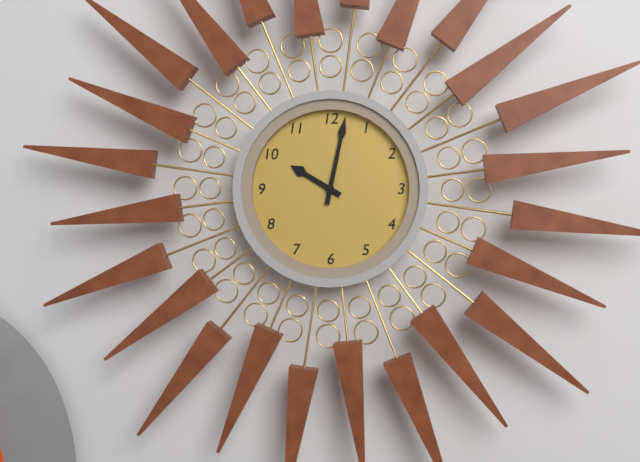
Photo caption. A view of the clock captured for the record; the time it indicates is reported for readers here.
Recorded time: 10:02
